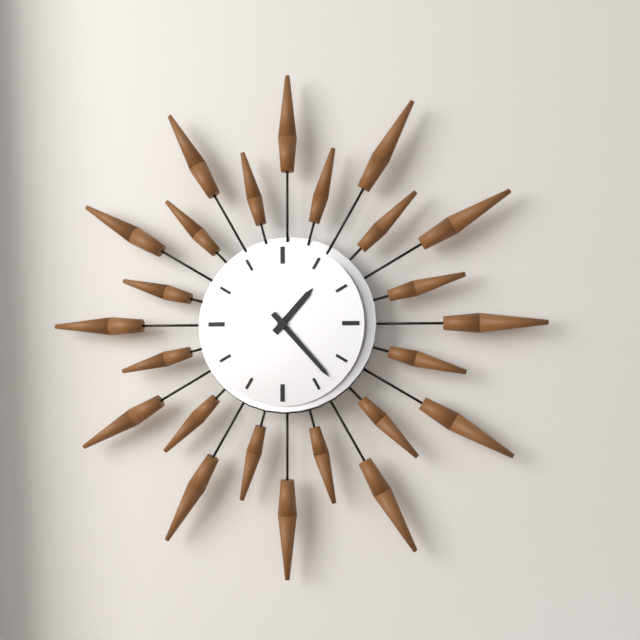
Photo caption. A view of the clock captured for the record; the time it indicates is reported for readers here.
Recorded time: 1:23
